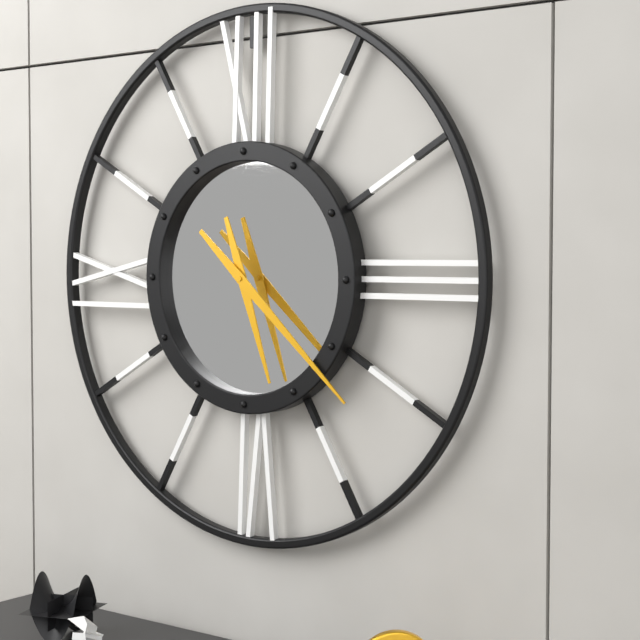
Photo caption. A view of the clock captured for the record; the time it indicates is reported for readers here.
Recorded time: 5:22
